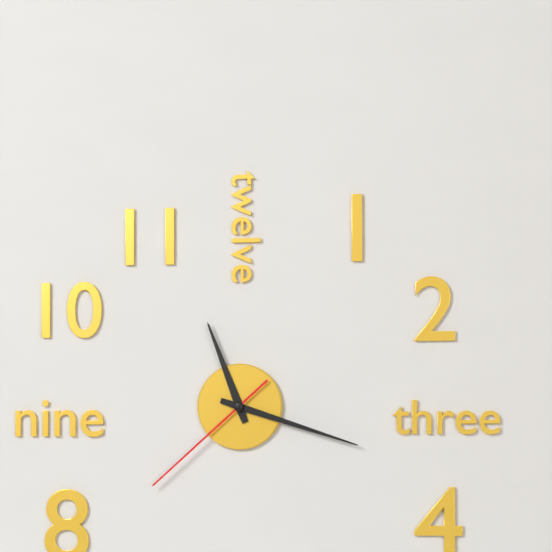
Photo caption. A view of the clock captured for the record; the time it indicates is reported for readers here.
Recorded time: 11:18:38
